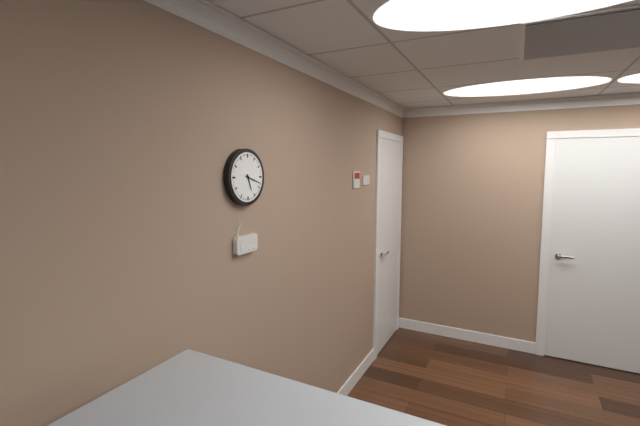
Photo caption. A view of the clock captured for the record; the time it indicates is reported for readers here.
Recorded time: 5:18
